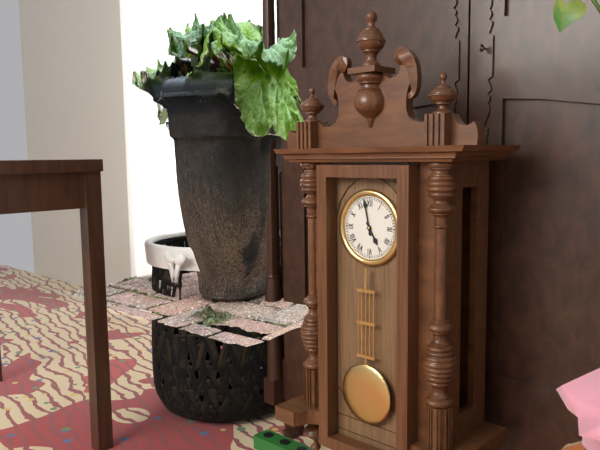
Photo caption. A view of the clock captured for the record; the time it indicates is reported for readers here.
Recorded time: 4:58
